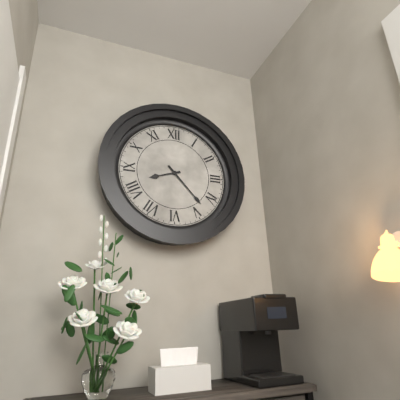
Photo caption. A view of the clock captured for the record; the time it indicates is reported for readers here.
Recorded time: 8:23
